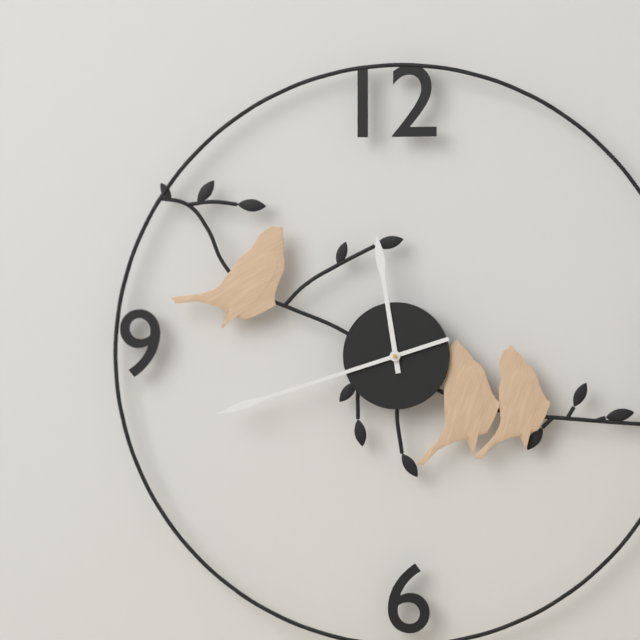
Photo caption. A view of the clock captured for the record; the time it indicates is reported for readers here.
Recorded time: 11:42
